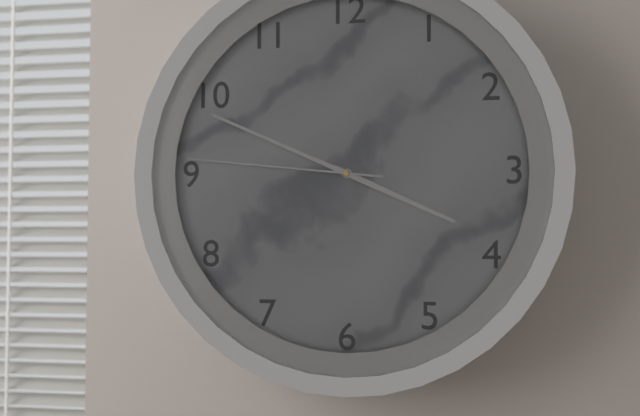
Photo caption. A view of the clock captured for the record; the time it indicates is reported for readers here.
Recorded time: 3:49:46
